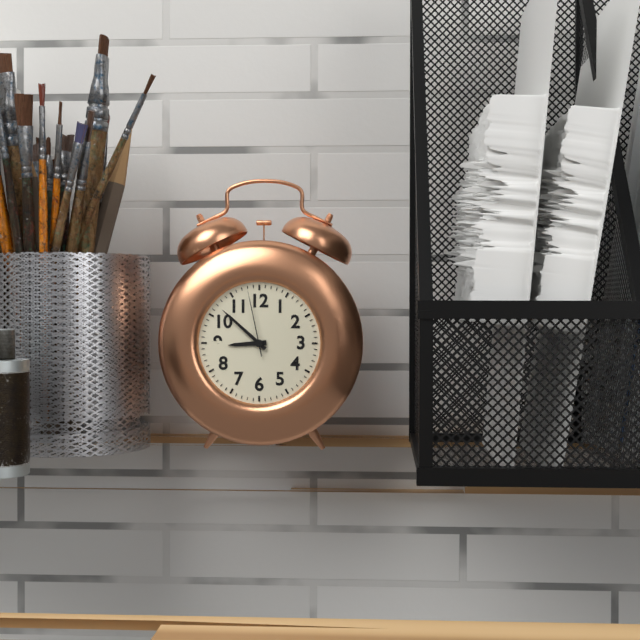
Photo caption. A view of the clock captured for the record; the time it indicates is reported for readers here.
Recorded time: 8:52:58
